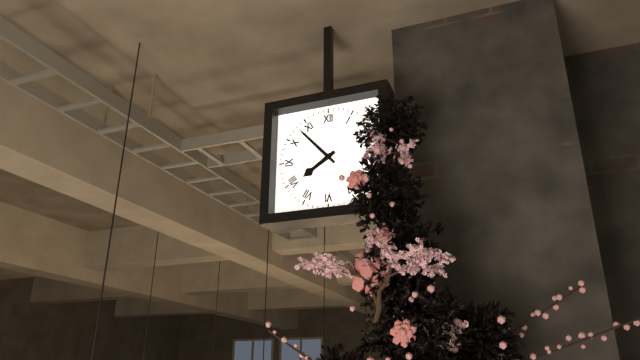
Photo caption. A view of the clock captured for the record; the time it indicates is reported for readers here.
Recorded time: 7:53
